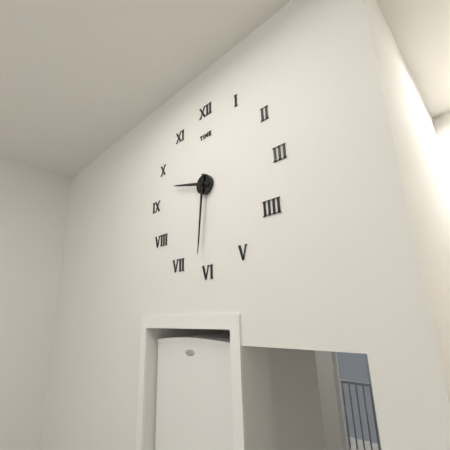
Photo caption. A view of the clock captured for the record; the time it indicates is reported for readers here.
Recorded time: 9:31
